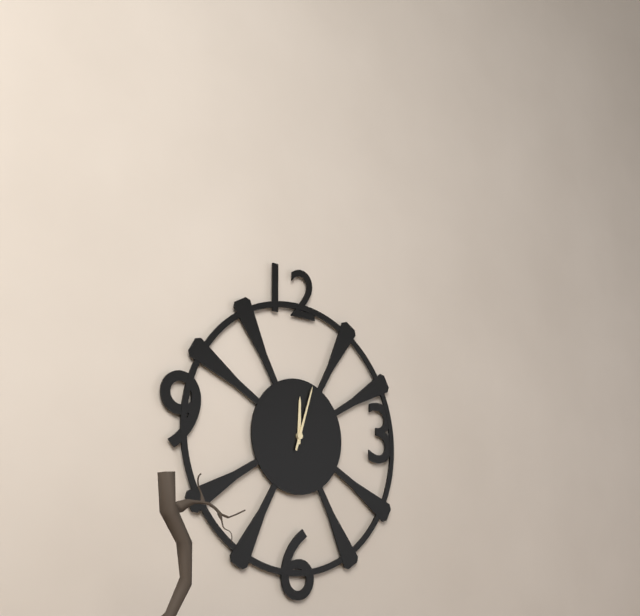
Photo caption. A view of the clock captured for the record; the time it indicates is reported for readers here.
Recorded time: 12:03
